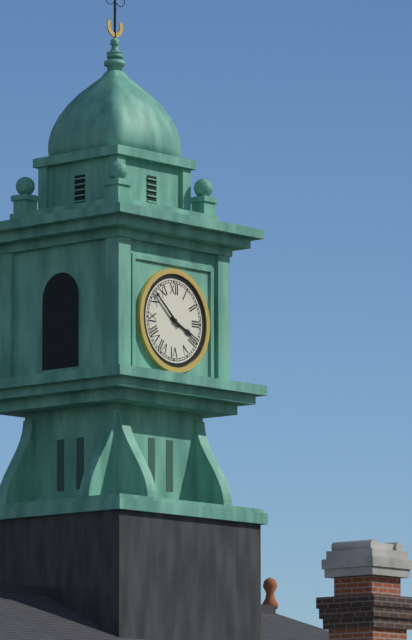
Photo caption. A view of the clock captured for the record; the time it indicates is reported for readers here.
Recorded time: 3:52
